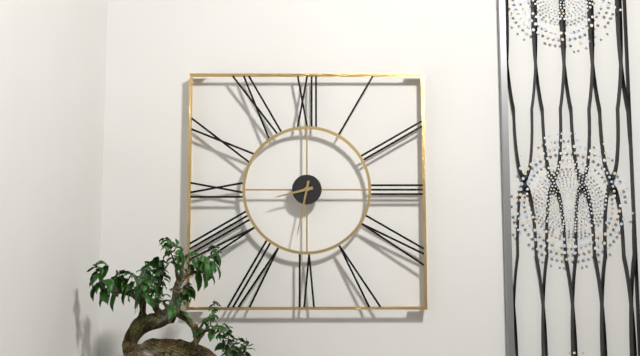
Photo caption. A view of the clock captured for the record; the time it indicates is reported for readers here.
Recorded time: 8:32
